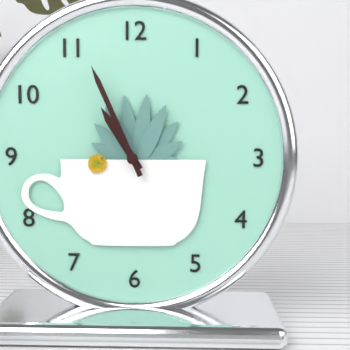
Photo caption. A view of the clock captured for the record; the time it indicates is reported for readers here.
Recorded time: 10:56
